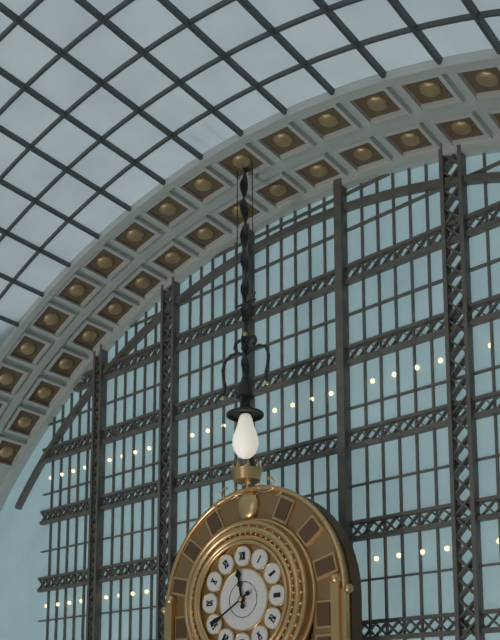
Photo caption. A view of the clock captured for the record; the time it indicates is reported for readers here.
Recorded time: 11:40
